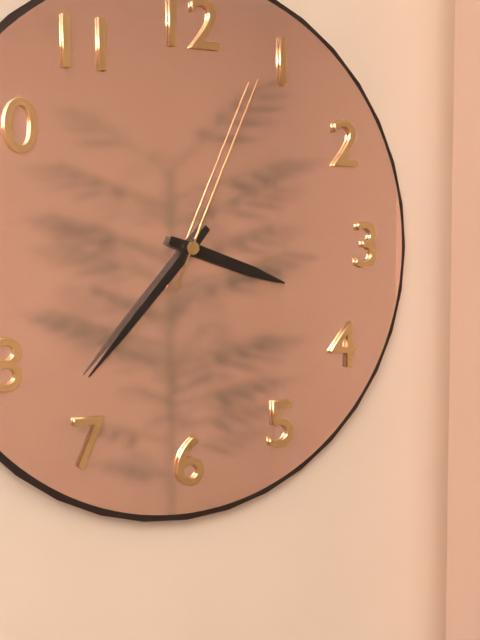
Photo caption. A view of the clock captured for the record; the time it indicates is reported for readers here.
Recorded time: 3:37:04
